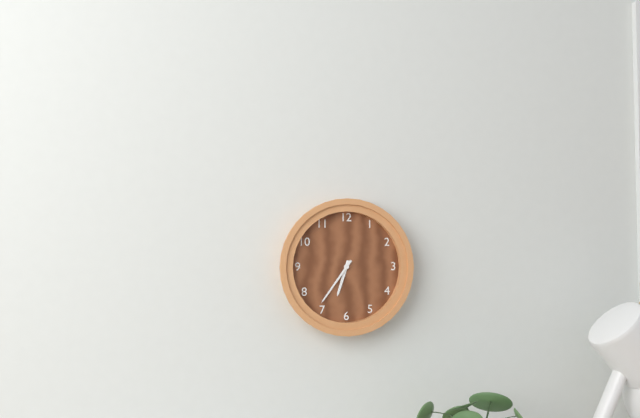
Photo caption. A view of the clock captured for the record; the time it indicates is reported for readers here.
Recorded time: 6:36
